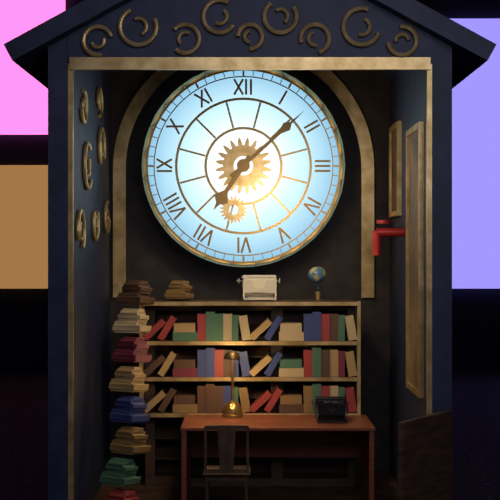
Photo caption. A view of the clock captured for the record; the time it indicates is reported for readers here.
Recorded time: 7:08
